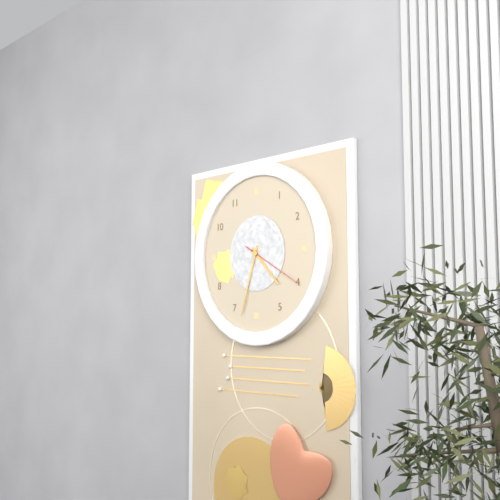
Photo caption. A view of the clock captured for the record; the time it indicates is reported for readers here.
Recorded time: 4:33:20
